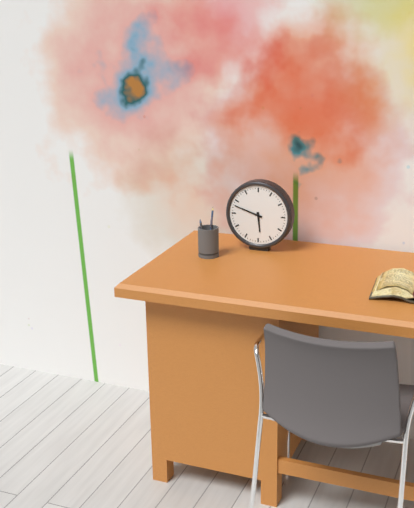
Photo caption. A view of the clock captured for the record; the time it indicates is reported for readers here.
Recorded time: 5:48
